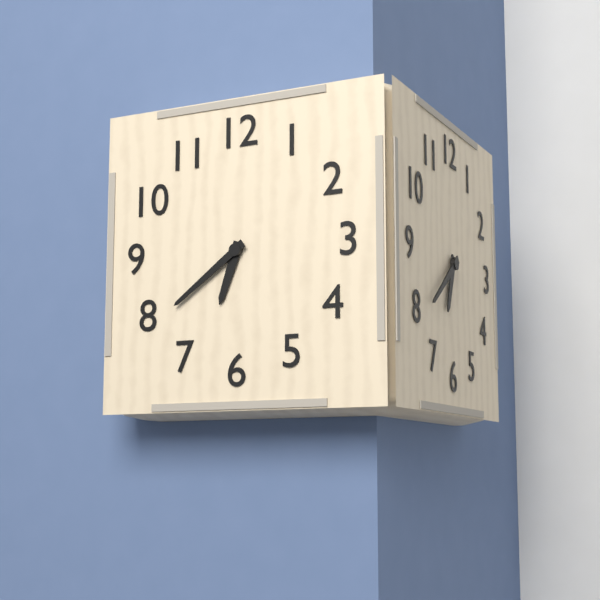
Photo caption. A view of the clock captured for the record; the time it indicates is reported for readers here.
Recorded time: 6:39
